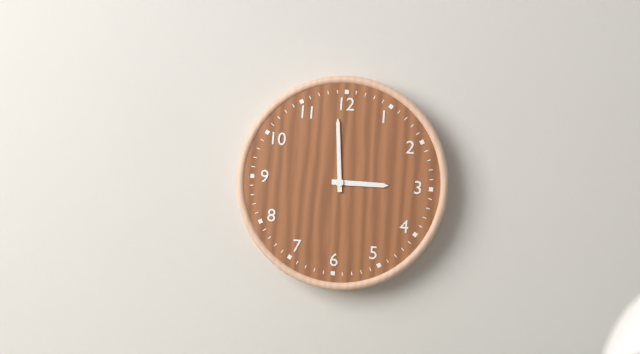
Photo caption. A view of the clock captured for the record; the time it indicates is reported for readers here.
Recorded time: 2:59
